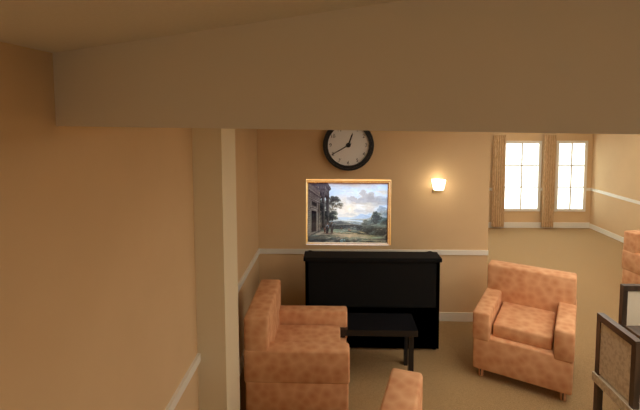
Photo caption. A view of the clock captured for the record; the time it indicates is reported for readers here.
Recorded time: 12:40
